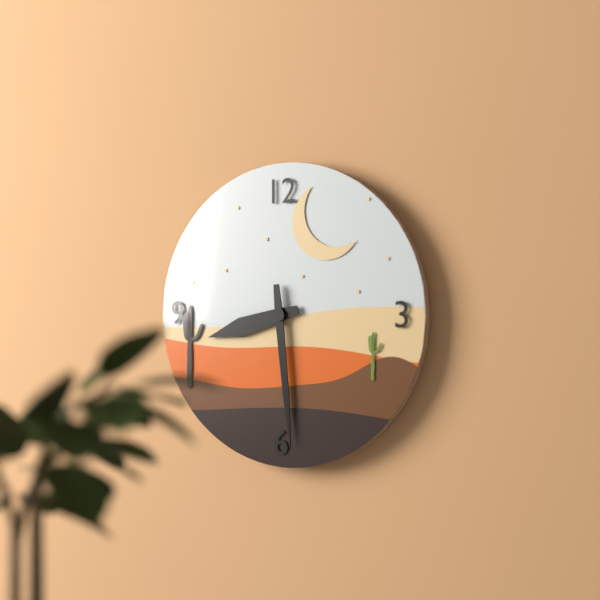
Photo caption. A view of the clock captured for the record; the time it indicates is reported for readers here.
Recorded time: 8:29
